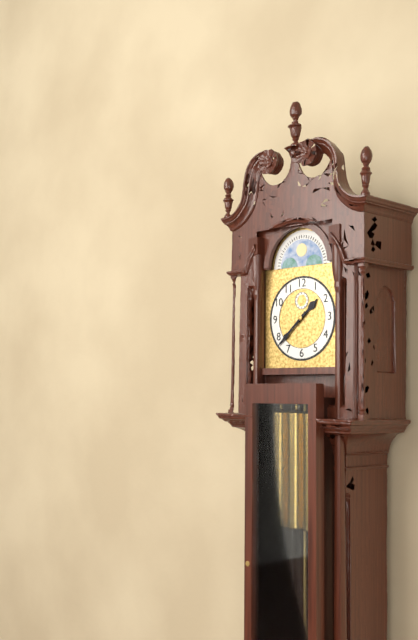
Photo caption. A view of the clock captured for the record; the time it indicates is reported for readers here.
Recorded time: 1:38
